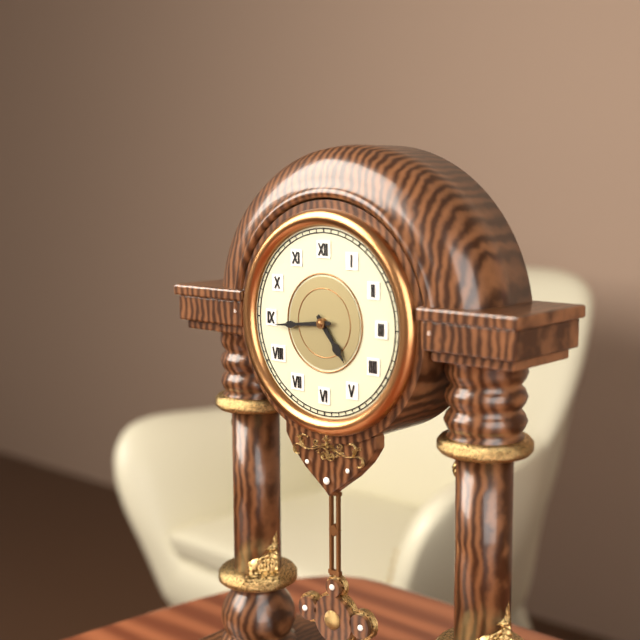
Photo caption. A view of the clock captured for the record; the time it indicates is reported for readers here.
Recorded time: 4:44
